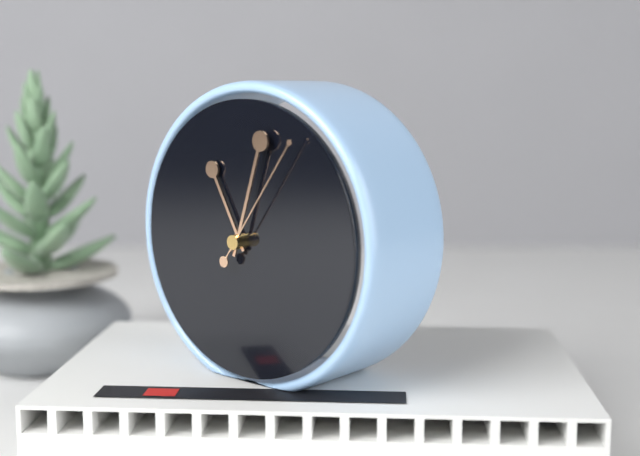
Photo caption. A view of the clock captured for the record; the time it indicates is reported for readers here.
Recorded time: 11:03:06
